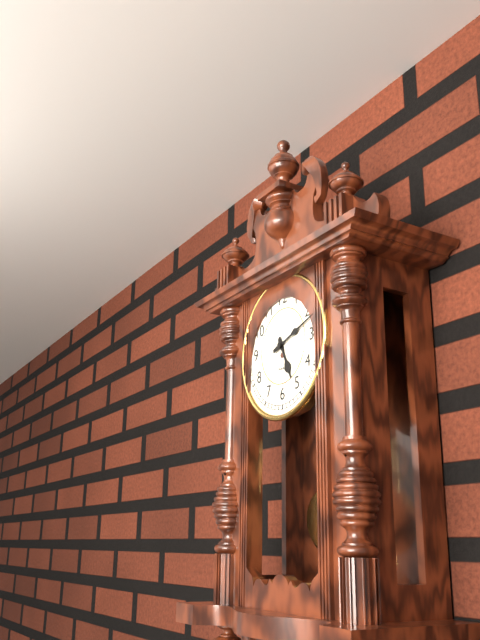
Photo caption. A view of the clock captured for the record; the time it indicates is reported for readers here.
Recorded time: 5:12
